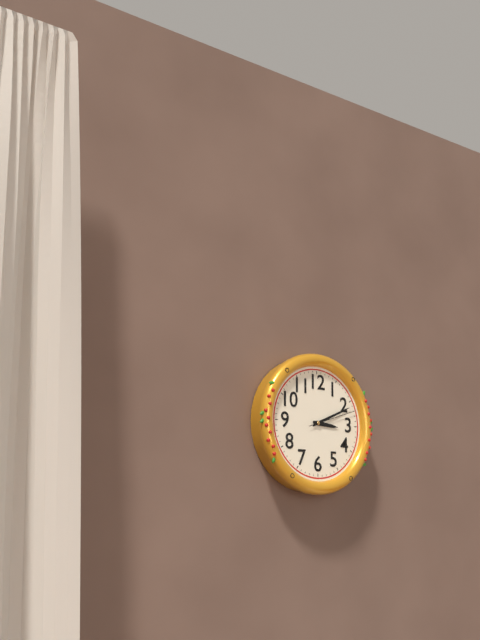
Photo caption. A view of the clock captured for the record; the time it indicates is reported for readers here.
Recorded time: 3:11
